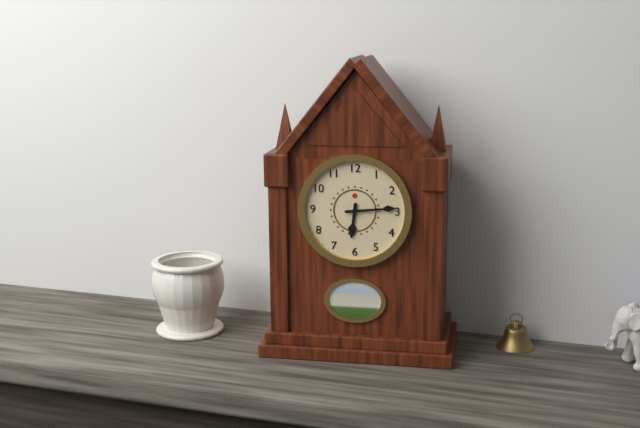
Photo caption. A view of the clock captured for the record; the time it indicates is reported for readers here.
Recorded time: 6:14
